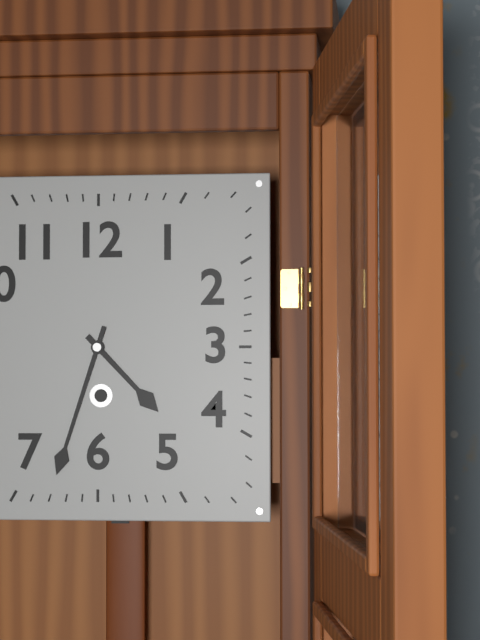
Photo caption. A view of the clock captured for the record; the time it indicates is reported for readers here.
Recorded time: 4:33
